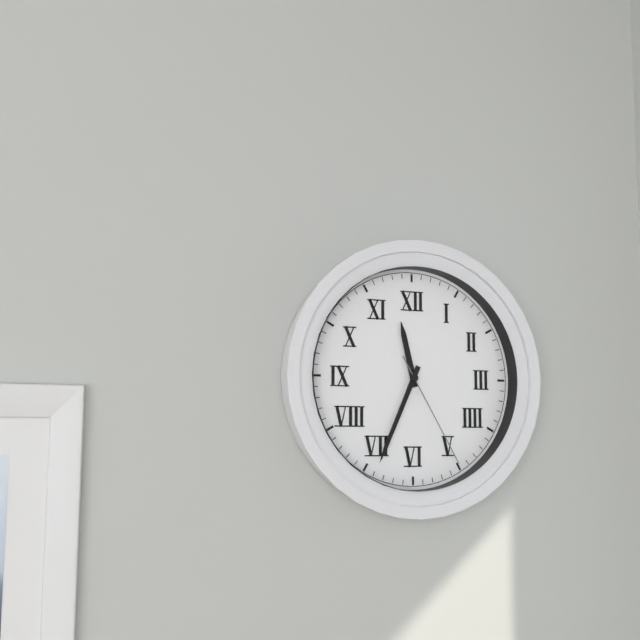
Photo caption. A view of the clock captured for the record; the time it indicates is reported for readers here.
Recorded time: 11:34:25
